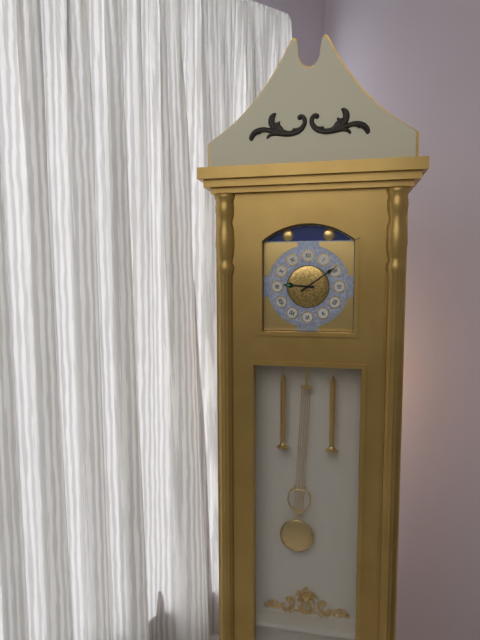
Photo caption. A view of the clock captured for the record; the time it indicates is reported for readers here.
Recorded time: 9:09
